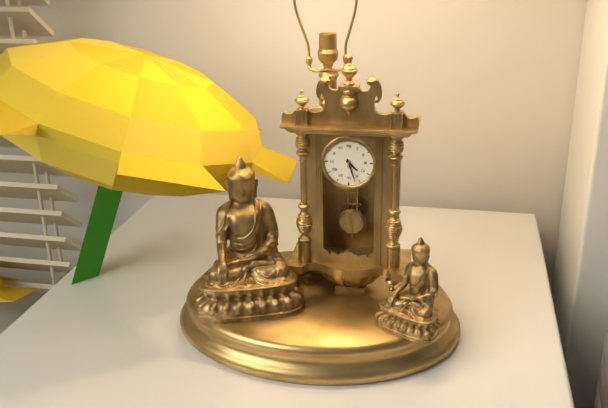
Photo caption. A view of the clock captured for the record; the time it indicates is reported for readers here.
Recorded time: 4:27
